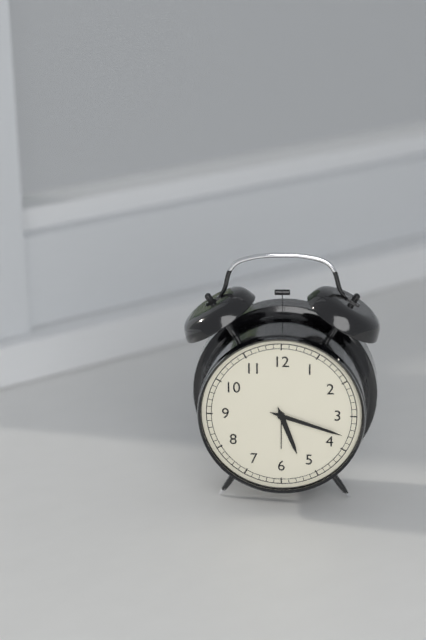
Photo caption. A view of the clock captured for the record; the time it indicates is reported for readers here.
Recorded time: 5:18
